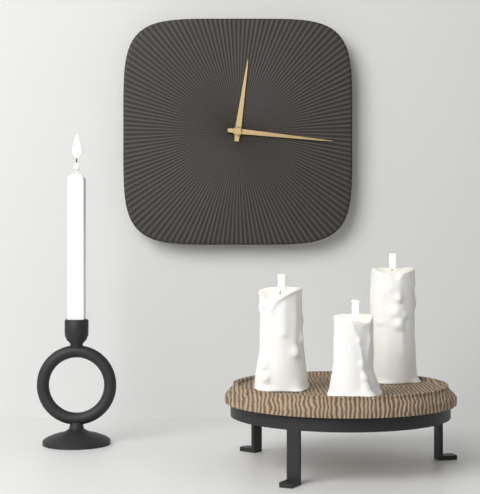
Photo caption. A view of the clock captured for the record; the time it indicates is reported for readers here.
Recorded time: 12:16
